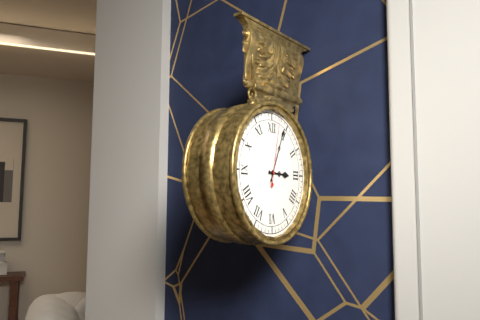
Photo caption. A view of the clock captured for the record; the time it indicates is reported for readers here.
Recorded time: 3:04:02
